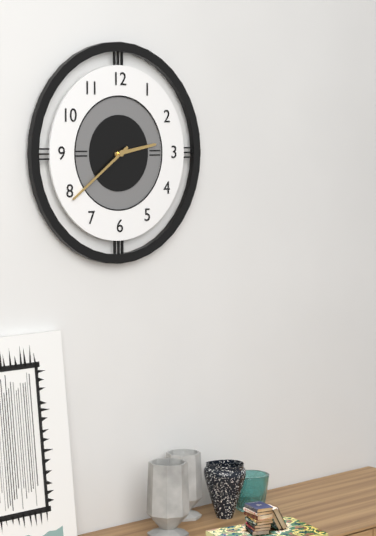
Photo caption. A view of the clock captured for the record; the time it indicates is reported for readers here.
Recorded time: 2:39
